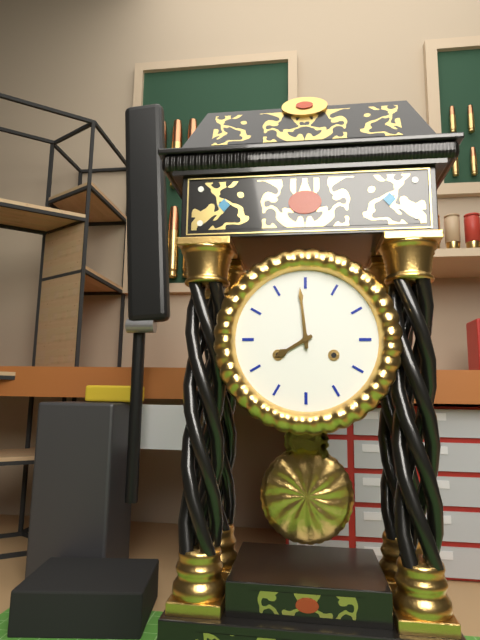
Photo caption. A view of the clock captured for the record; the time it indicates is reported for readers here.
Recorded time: 7:59
